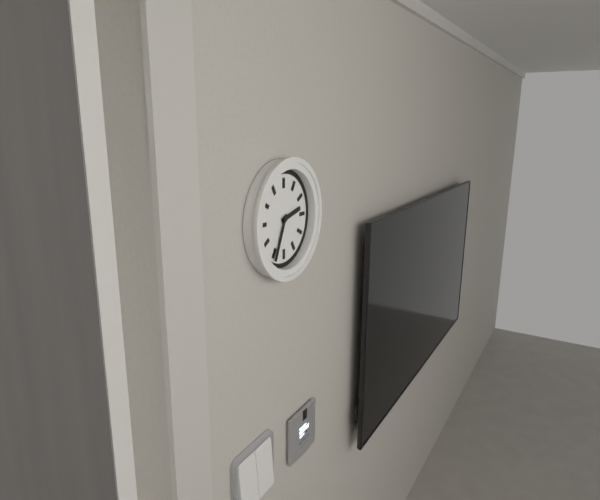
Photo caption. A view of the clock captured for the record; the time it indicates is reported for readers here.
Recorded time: 2:34
